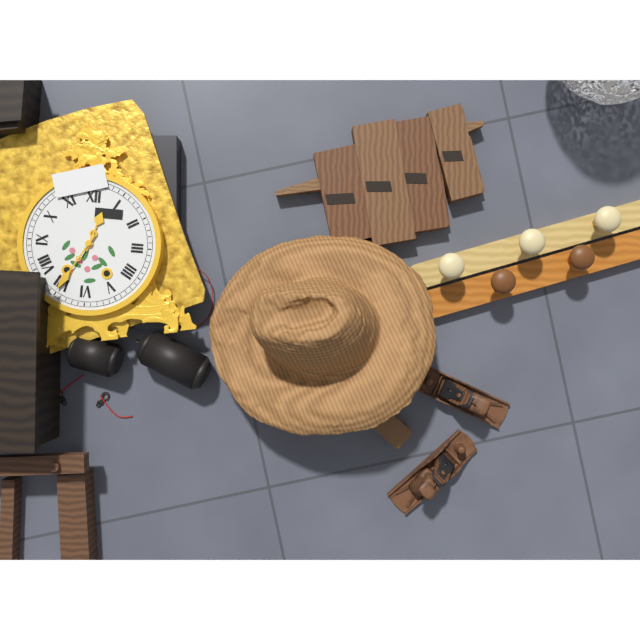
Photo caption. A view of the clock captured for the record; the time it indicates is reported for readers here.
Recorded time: 12:35
